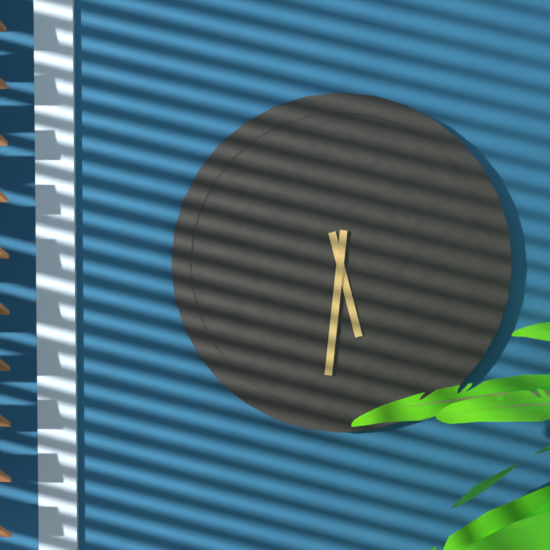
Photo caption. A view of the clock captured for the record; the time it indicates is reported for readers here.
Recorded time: 5:31
